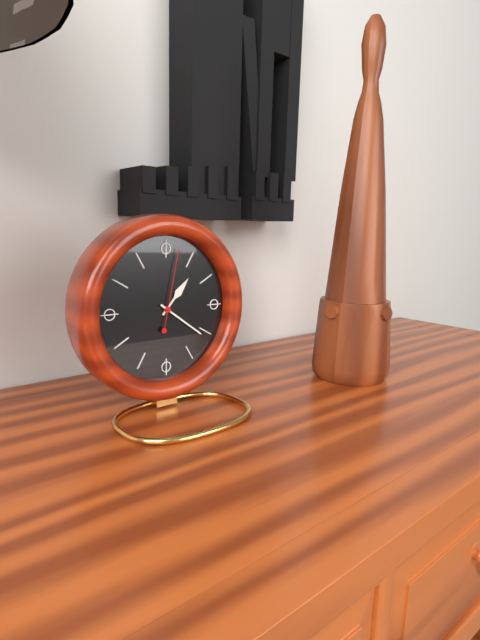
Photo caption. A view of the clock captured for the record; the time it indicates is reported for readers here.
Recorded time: 1:21:02
